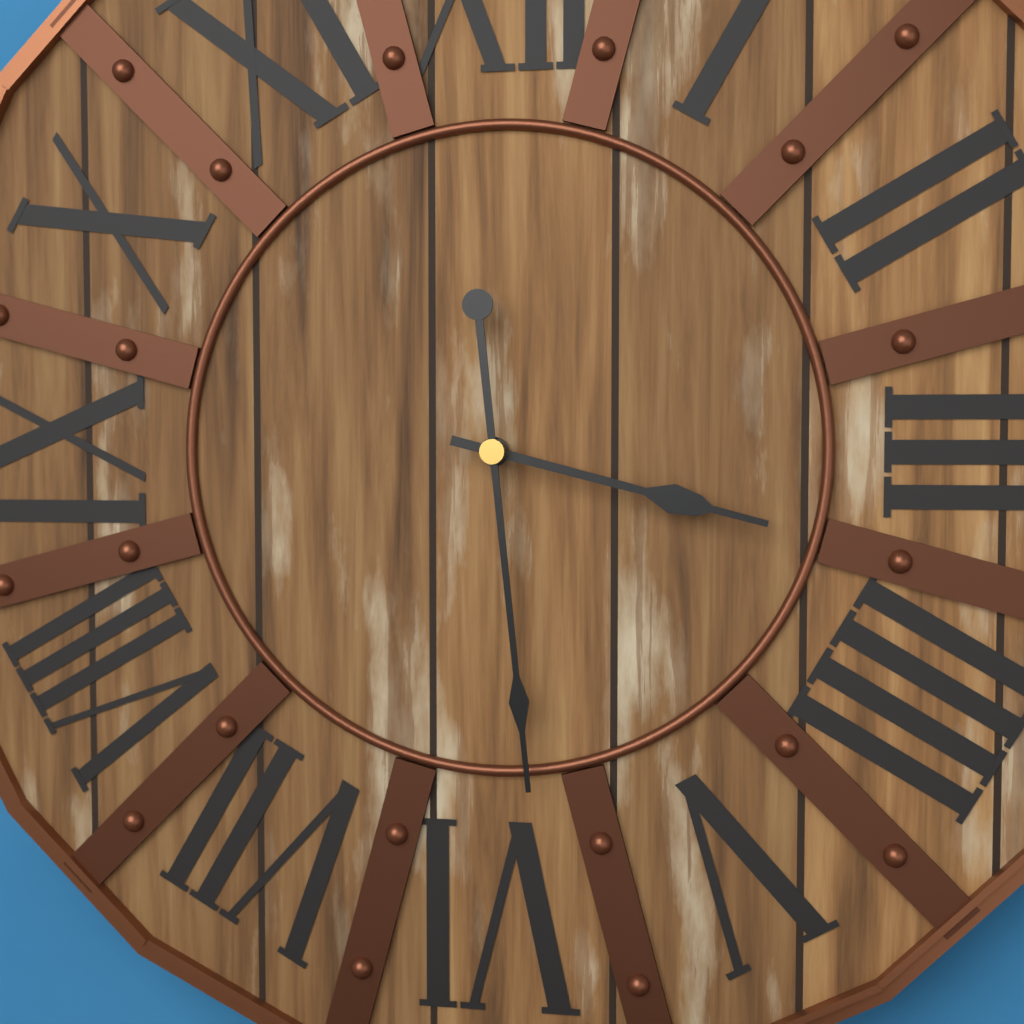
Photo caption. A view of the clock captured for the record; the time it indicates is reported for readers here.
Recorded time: 3:29
